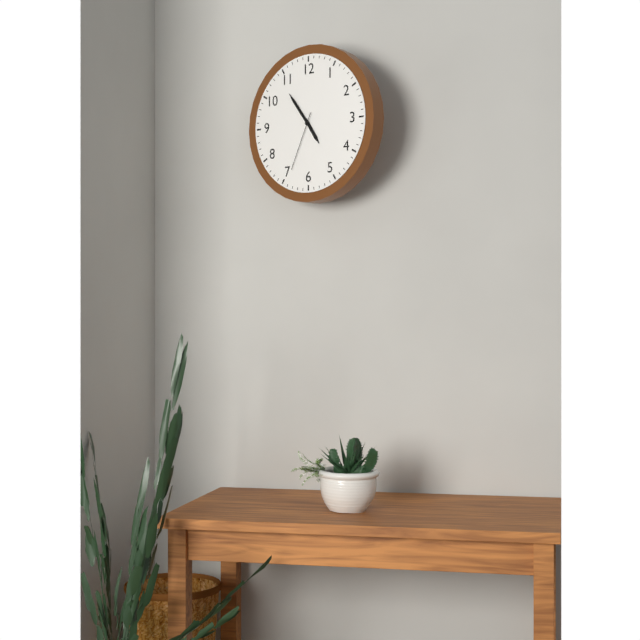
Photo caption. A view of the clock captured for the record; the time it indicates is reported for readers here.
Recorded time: 4:54:34
